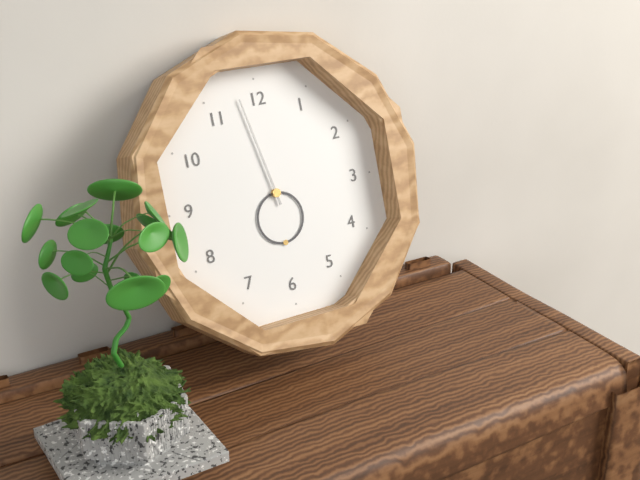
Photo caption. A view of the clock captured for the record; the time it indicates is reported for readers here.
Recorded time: 5:58
